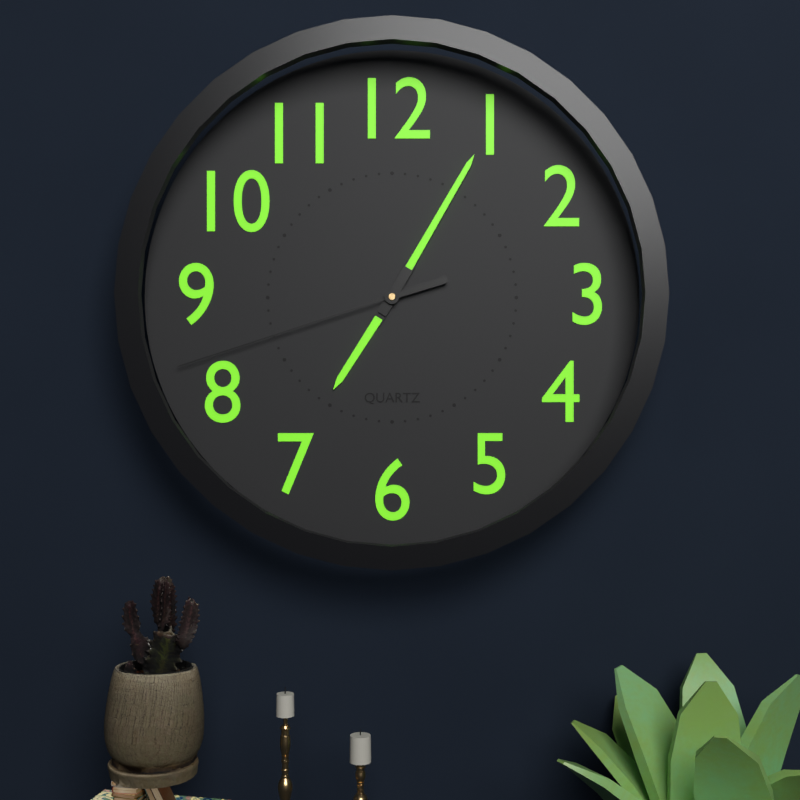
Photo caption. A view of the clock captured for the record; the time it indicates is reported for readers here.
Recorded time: 7:05:42
